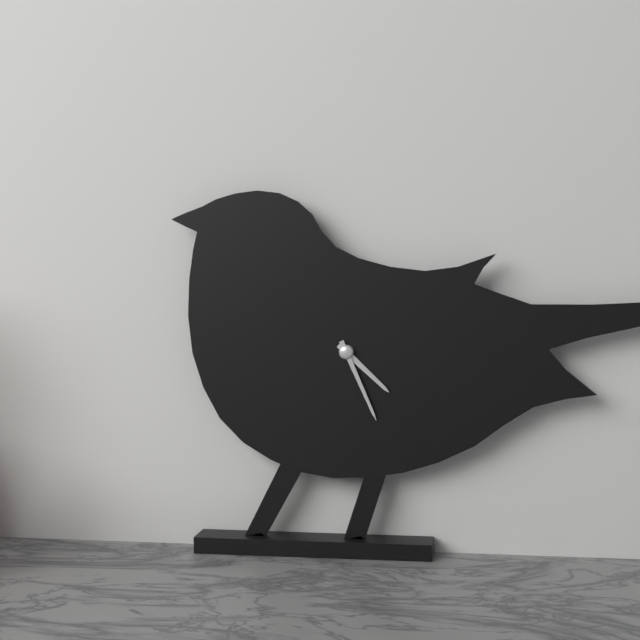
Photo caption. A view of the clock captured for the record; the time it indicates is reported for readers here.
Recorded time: 4:26
